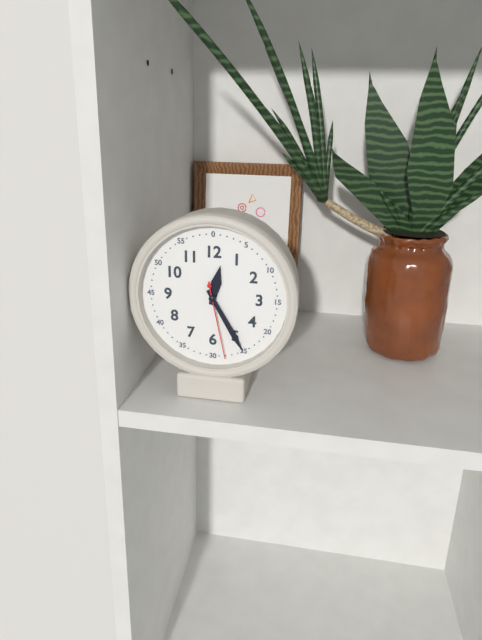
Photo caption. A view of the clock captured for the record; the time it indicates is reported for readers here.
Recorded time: 12:25:28
